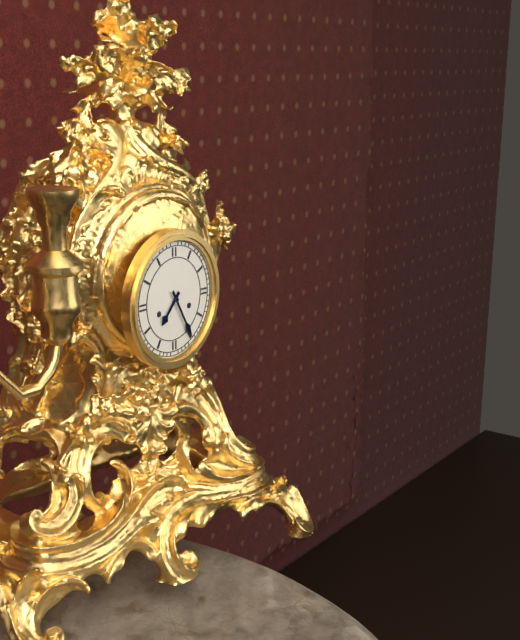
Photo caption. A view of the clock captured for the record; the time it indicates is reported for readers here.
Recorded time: 7:25
